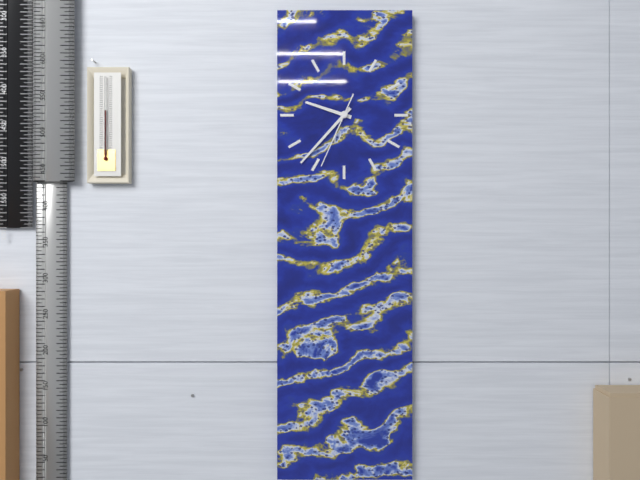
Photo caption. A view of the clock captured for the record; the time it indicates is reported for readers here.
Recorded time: 9:37:34
